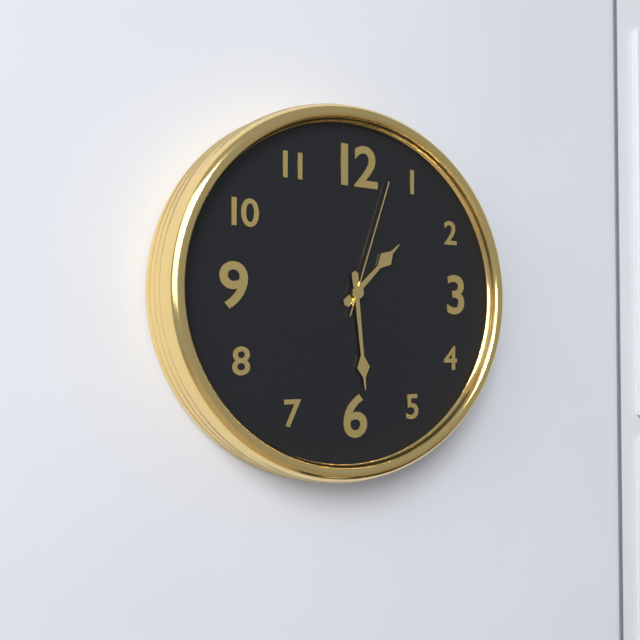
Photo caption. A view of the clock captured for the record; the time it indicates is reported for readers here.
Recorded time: 1:29:03
